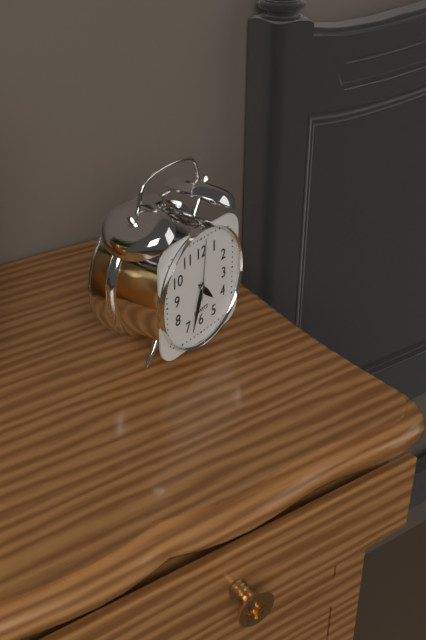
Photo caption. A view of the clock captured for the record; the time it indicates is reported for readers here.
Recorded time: 4:33:01
